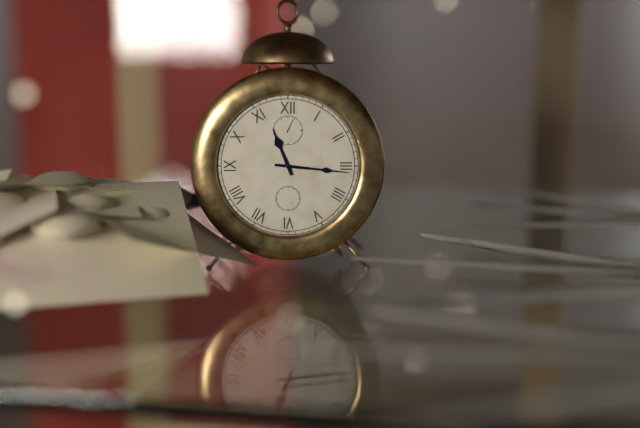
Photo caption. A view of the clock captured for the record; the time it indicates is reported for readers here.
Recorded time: 11:16
